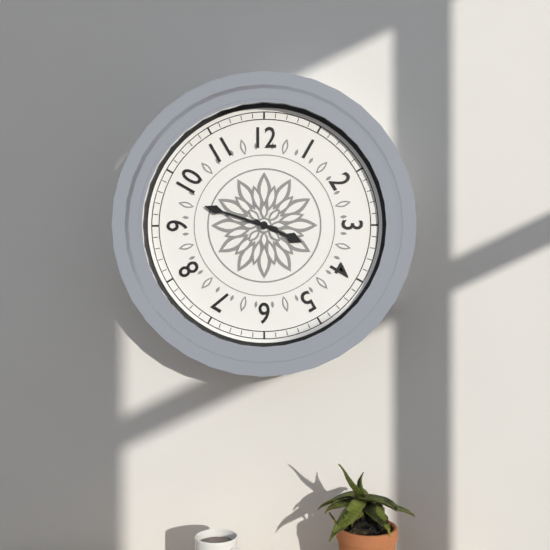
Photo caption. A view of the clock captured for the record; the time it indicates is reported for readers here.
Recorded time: 3:48
